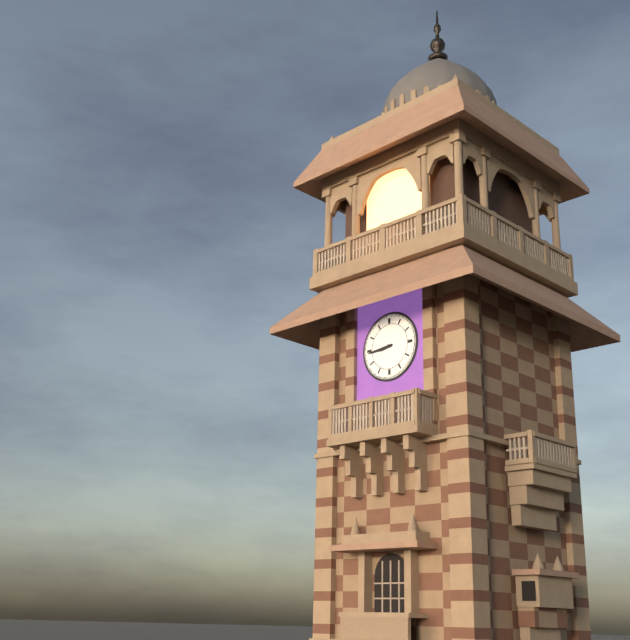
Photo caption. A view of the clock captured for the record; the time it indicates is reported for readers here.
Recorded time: 8:44
